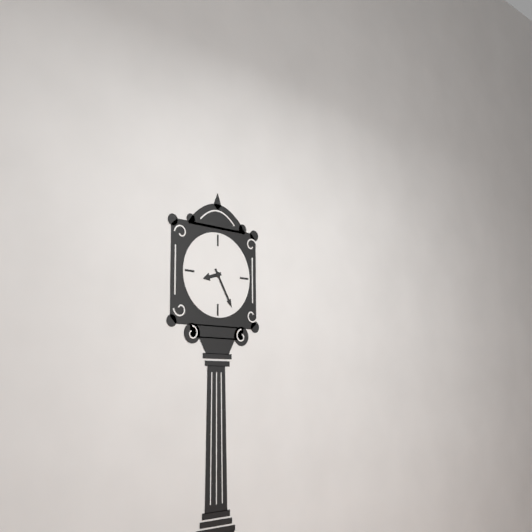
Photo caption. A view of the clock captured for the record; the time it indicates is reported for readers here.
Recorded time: 8:25
